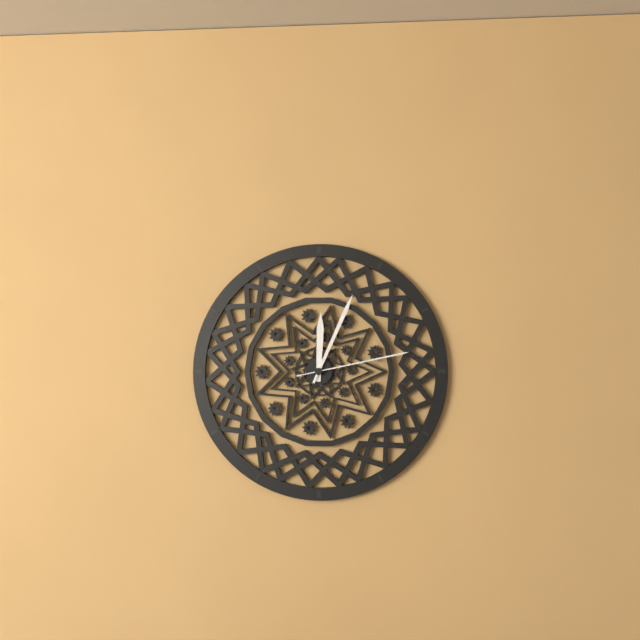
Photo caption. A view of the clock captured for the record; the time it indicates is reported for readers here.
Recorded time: 12:04:13
